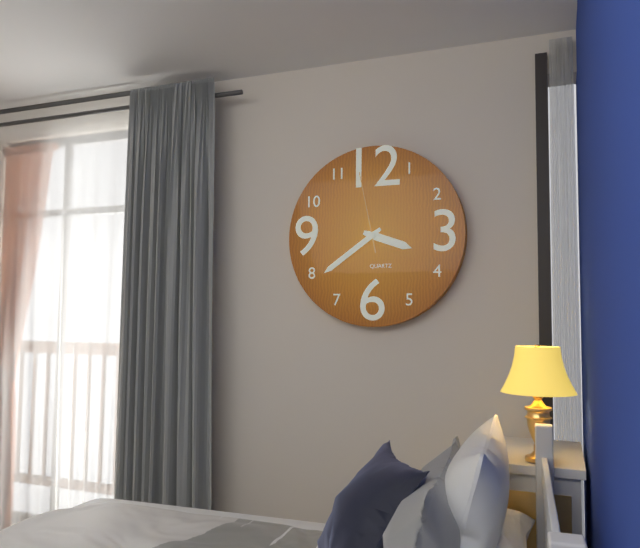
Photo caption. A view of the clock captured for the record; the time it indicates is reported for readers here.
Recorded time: 3:39:58
